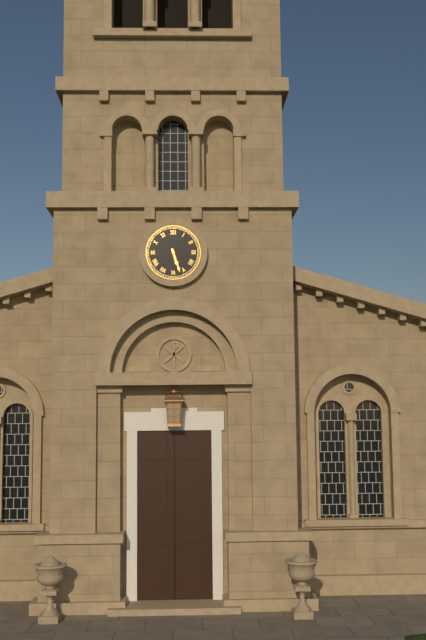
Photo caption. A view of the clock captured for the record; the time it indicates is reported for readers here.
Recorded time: 5:27
